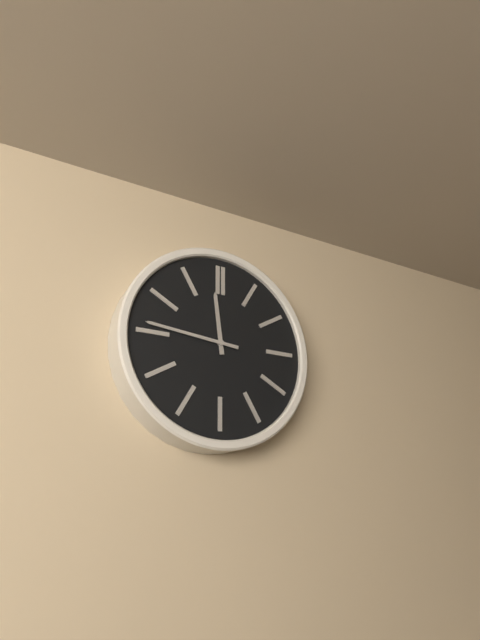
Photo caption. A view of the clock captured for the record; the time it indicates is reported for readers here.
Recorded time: 11:46
